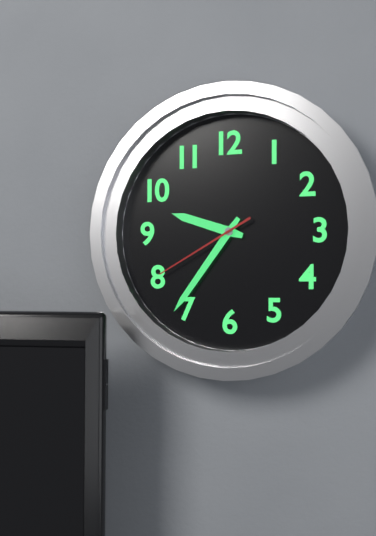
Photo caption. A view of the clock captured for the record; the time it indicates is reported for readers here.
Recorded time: 9:36:40
